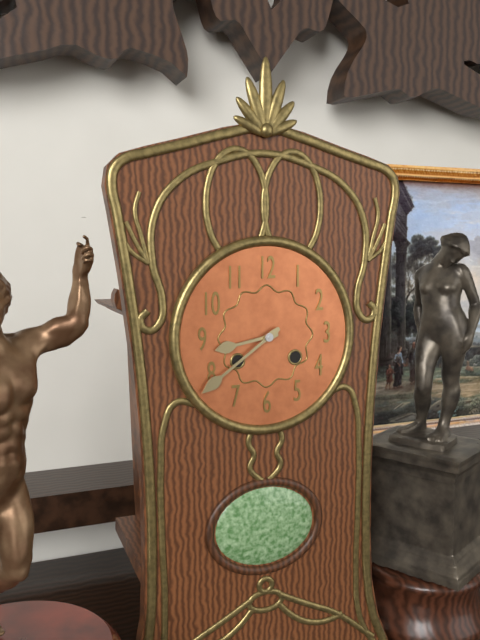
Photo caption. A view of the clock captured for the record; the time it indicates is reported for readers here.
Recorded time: 8:39
